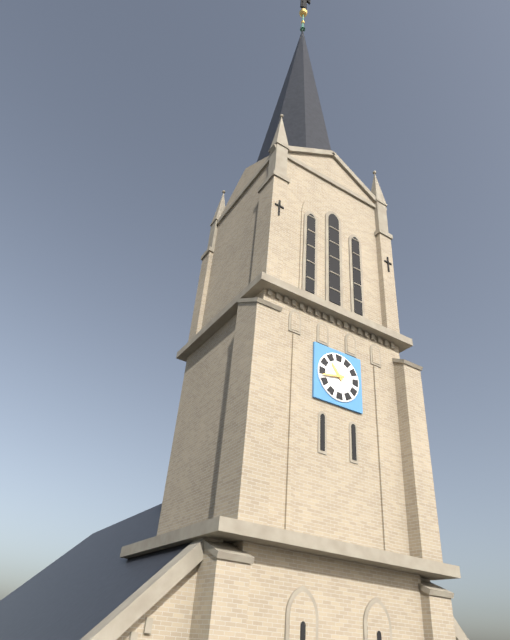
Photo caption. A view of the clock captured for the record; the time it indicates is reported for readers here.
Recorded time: 10:43
